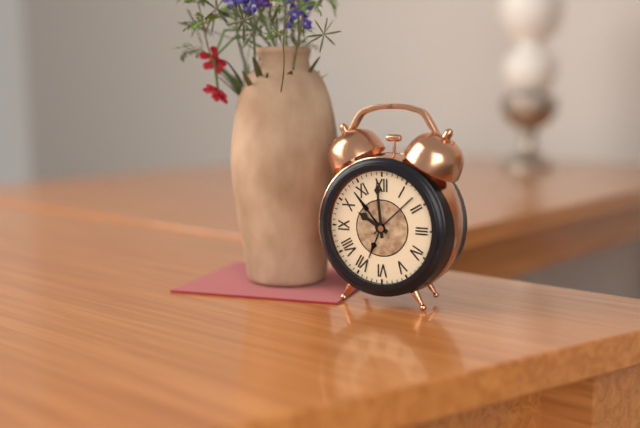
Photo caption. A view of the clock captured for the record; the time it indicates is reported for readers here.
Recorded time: 9:59
